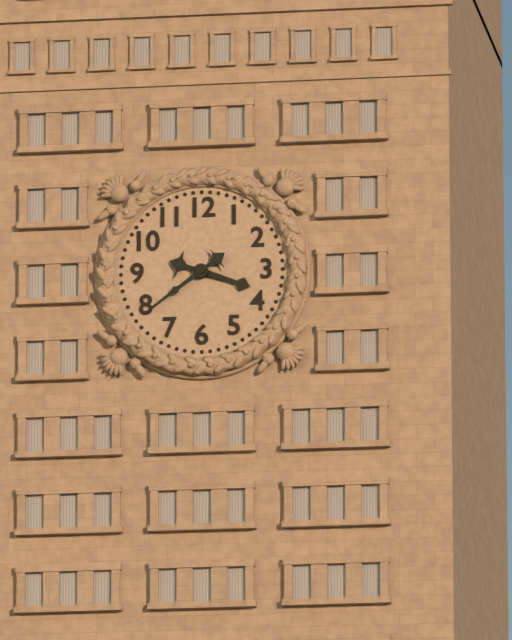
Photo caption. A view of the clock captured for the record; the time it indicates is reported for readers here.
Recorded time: 3:39
